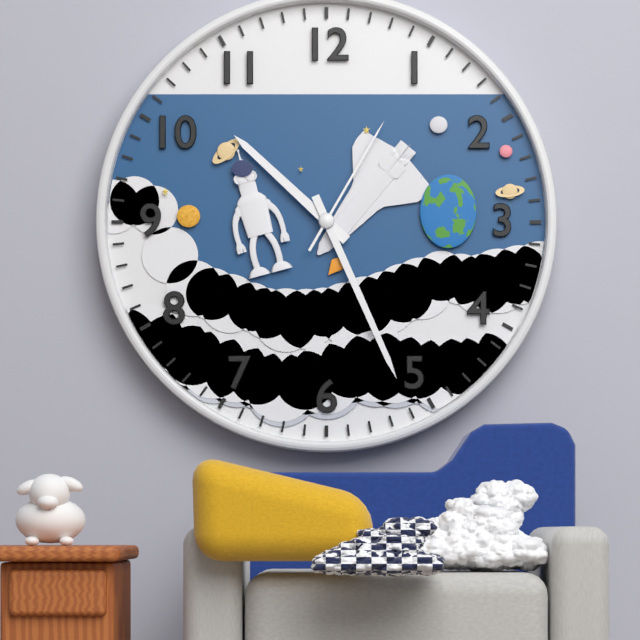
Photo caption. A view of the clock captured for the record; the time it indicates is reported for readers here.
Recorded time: 10:26:05
